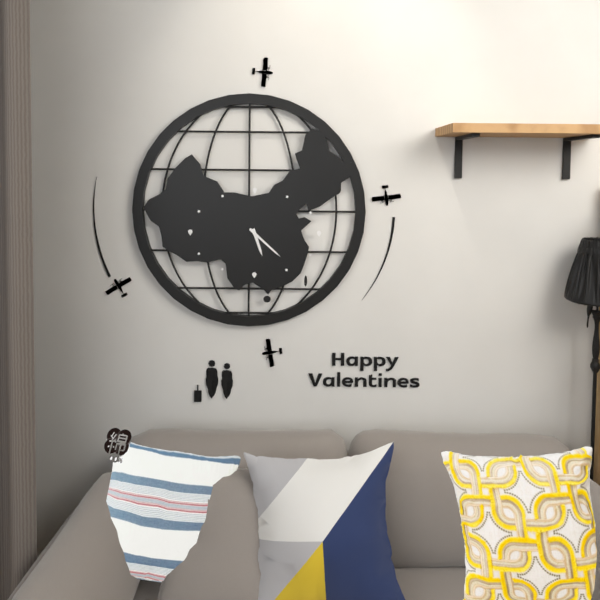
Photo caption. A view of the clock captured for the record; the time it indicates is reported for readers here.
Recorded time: 5:22
